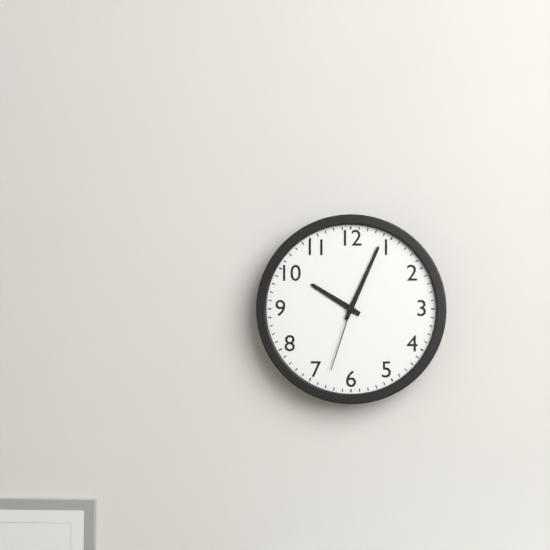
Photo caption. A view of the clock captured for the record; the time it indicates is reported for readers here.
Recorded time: 10:04:33
